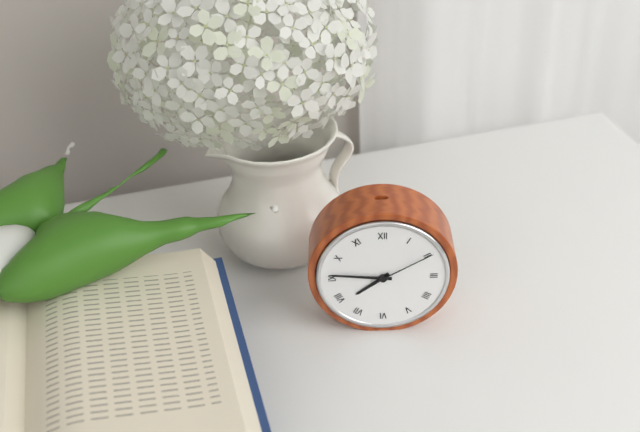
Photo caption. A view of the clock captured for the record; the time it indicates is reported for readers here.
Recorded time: 7:46:10
